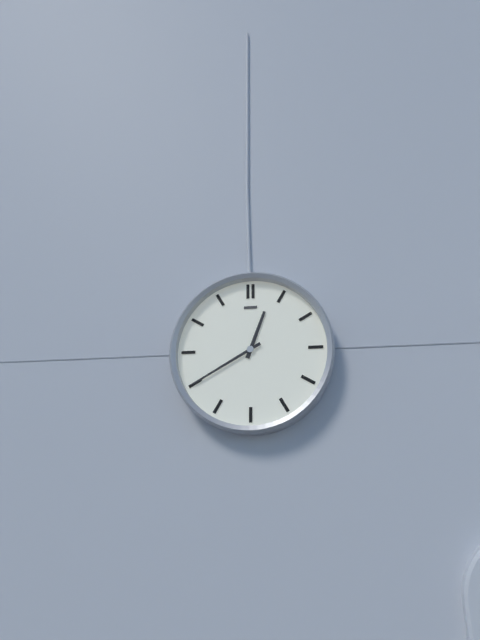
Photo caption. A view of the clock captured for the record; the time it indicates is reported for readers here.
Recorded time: 12:40
